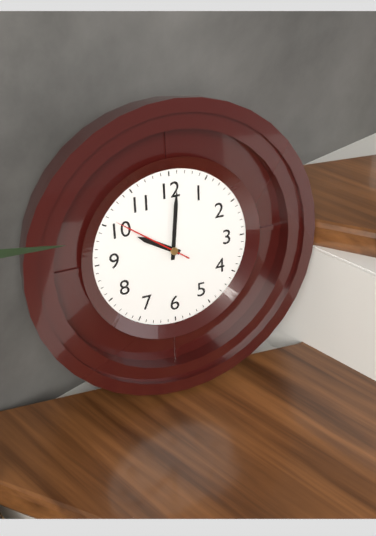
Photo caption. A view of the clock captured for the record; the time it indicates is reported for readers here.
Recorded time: 10:01:51
